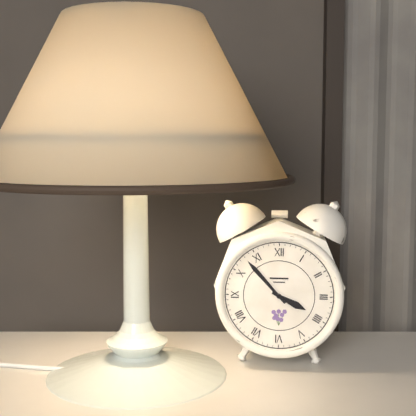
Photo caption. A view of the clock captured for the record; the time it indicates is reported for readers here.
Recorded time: 3:53
